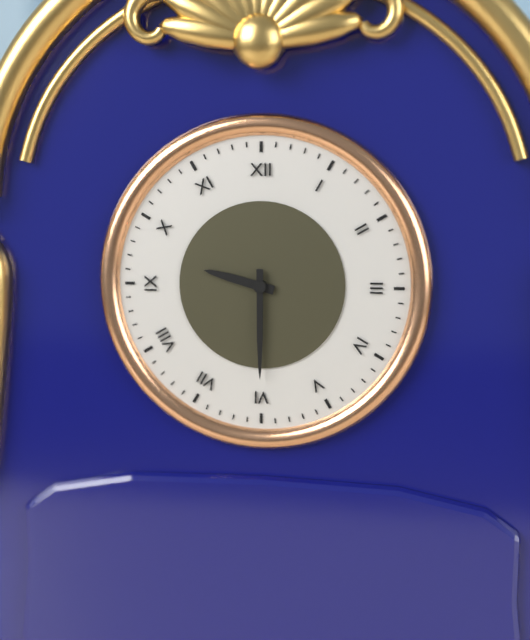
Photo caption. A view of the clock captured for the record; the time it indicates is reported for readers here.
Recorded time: 9:30
